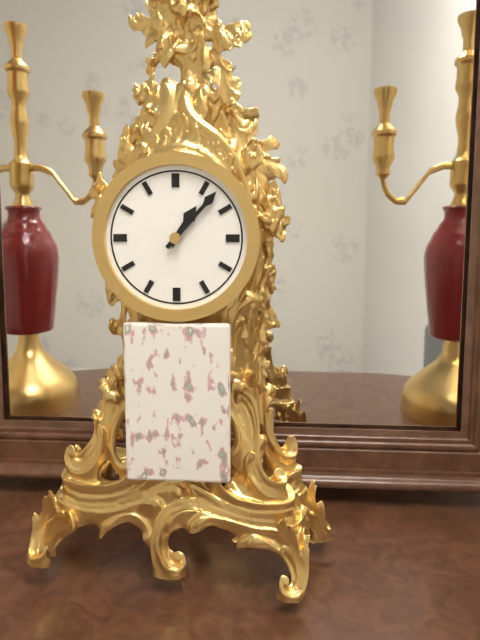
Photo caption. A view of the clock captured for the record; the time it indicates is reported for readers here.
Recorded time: 1:07
